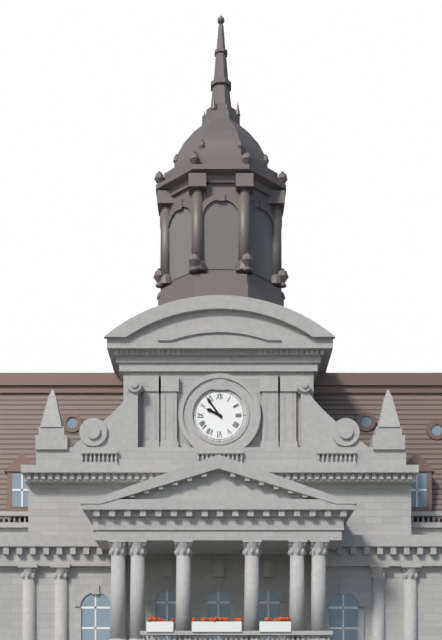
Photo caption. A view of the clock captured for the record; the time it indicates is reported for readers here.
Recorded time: 9:54
